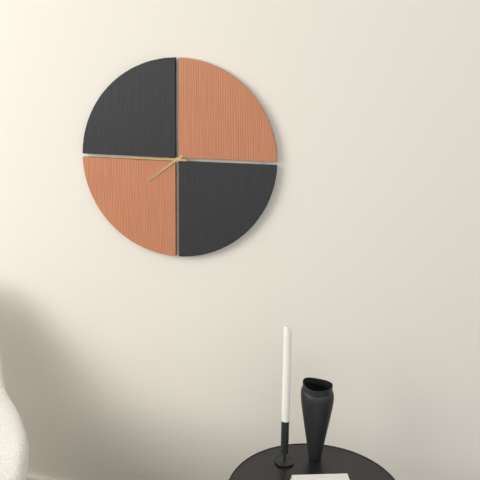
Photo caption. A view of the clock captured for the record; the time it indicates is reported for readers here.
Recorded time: 7:45
